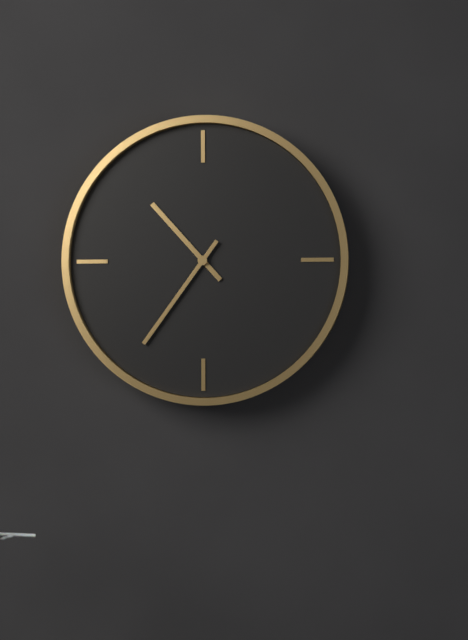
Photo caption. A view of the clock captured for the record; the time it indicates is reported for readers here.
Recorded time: 10:36
